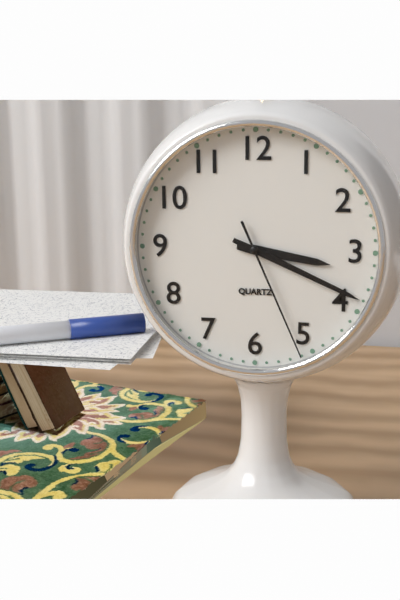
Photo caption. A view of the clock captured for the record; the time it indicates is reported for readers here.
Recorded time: 3:19:26
